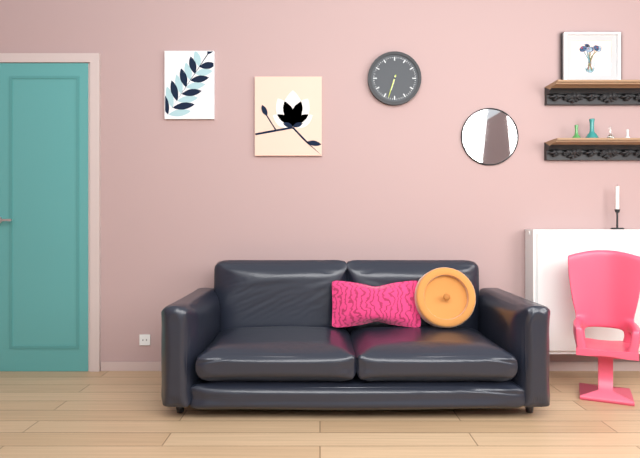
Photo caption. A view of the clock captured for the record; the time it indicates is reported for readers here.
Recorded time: 6:33
